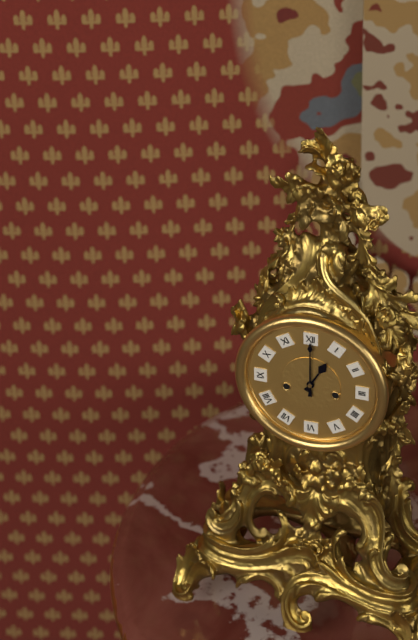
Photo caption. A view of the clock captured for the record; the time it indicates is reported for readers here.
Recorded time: 1:00
